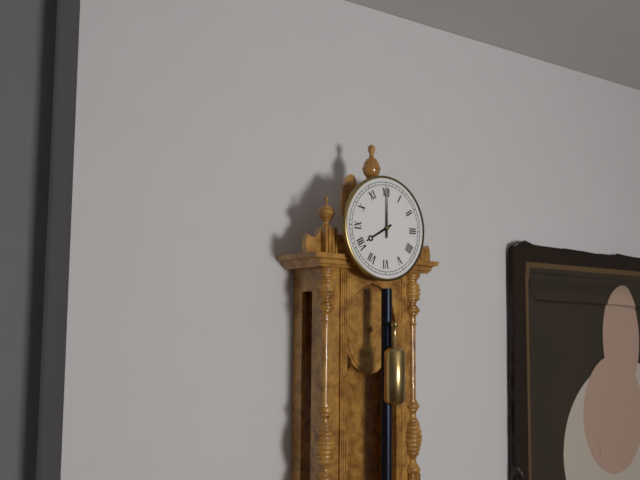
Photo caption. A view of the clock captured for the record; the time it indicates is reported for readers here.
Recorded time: 8:00
